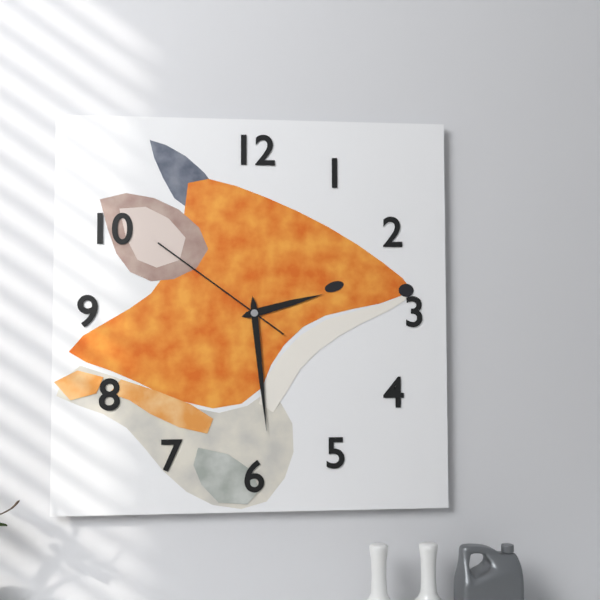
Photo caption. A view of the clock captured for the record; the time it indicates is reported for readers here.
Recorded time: 2:29:51
